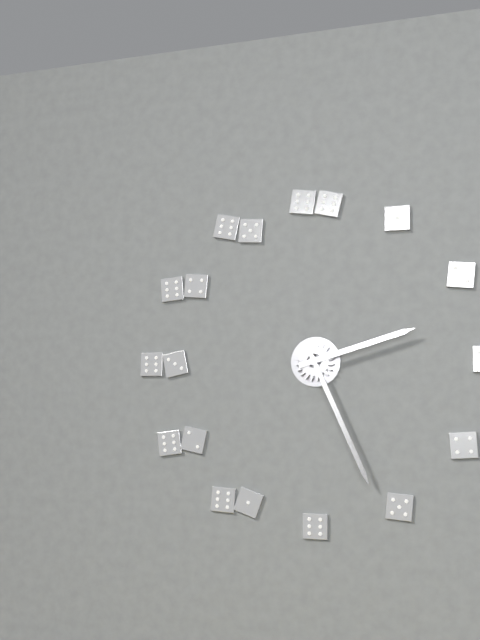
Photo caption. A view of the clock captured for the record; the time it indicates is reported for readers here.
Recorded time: 2:26
